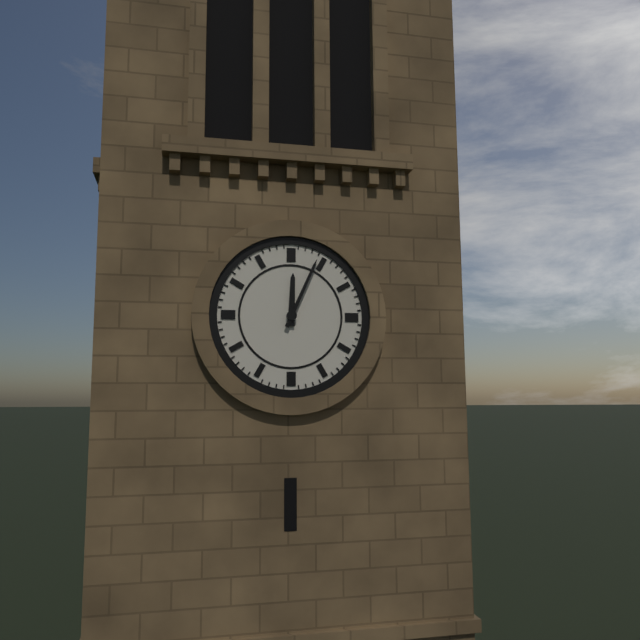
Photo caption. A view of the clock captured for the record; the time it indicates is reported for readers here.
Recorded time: 12:04
